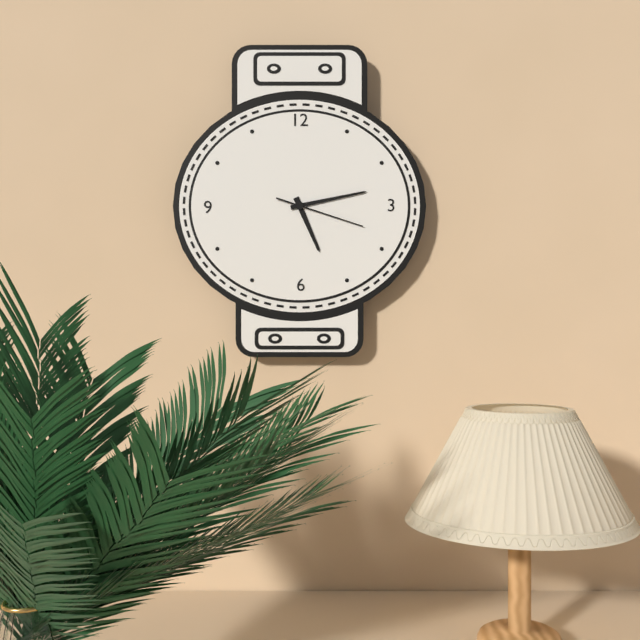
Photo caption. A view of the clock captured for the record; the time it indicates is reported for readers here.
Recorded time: 5:13:18
